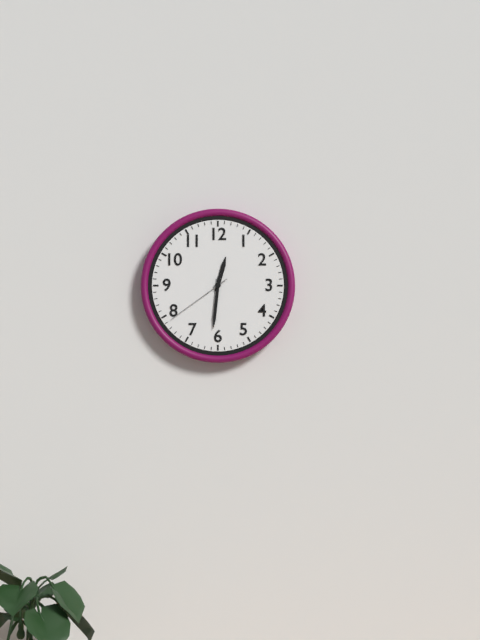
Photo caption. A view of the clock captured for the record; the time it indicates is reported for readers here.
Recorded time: 12:31:39
